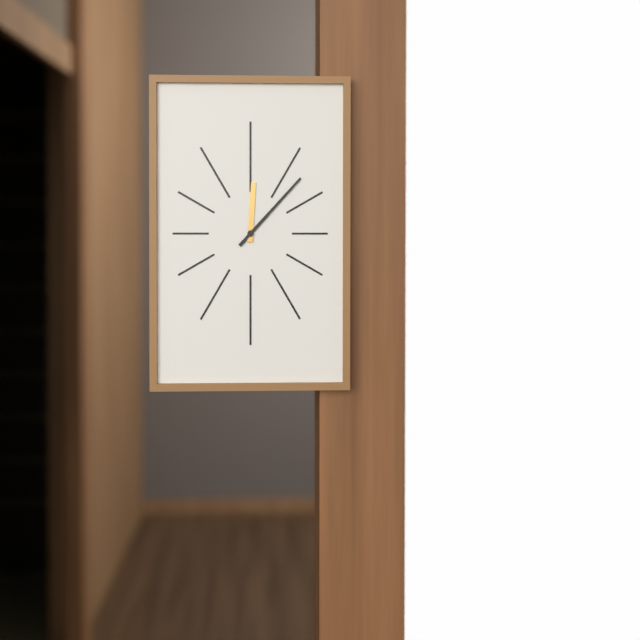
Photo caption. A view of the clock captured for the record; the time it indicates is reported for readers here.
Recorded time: 12:07
